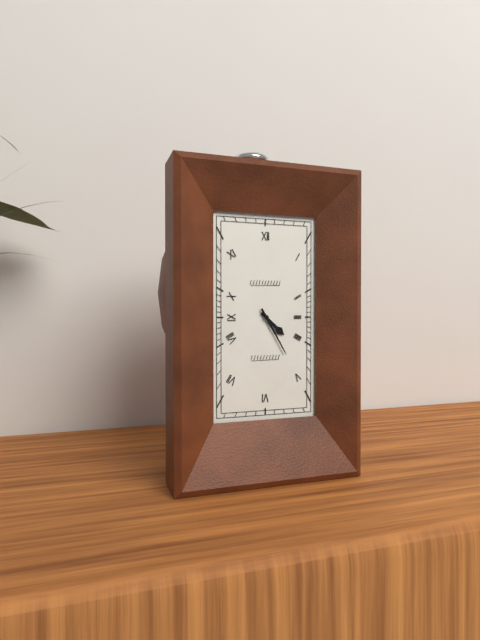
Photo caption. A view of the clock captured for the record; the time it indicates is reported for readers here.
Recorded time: 4:25
